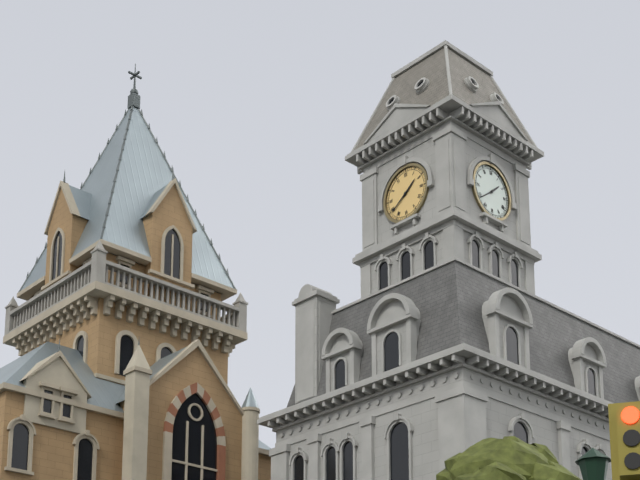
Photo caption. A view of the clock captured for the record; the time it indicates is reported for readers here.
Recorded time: 1:39
